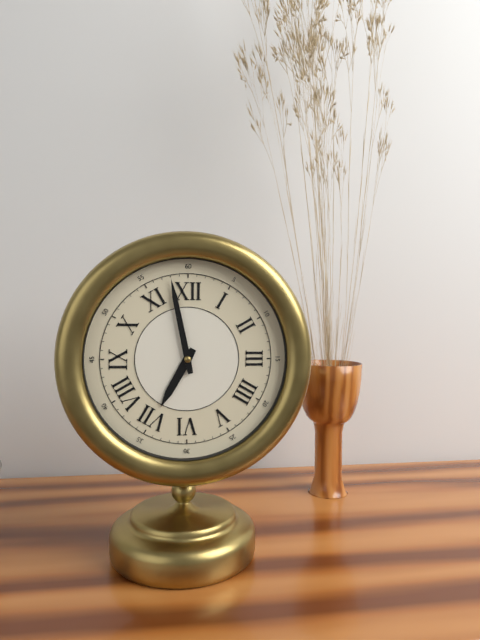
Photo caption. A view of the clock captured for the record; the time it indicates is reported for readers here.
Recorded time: 6:58
